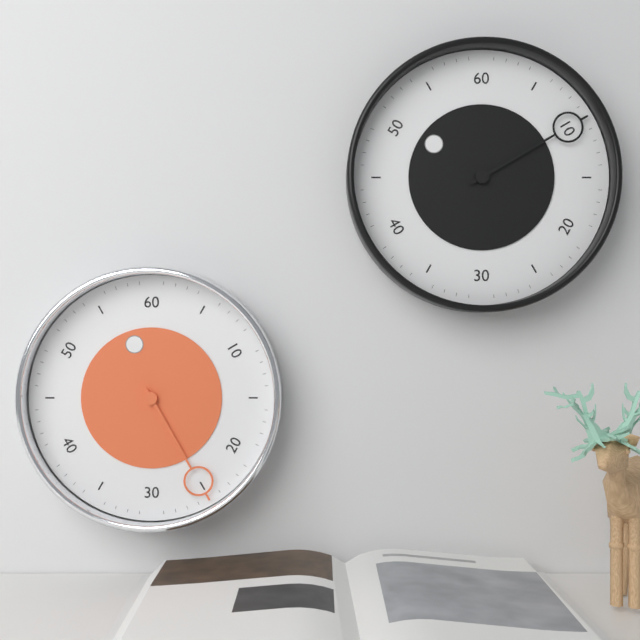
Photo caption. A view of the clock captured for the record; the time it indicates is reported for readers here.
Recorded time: 11:25
